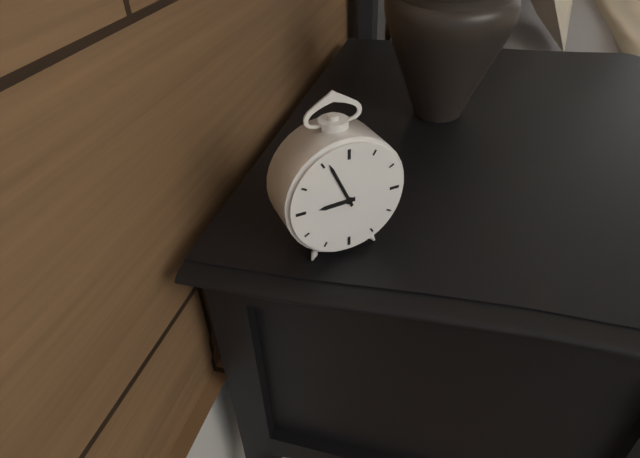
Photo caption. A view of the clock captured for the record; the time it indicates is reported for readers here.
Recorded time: 8:56
